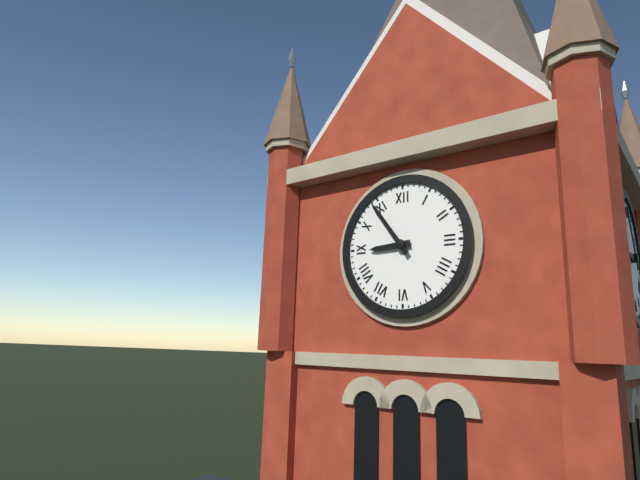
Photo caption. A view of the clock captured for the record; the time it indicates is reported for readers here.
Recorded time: 8:54
